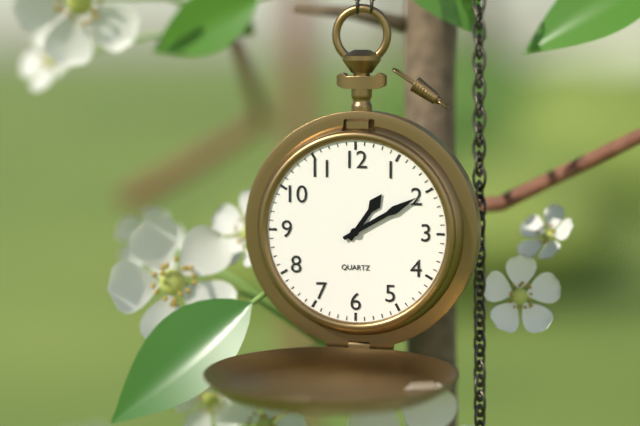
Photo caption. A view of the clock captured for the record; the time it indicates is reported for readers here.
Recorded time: 1:10
